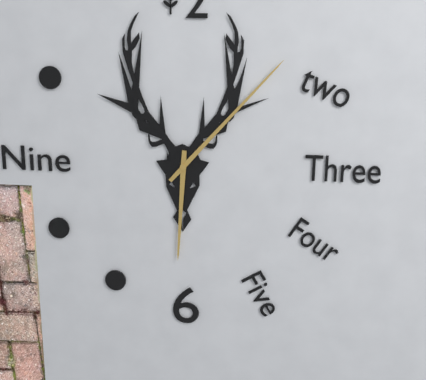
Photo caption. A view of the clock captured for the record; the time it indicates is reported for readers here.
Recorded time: 6:07
